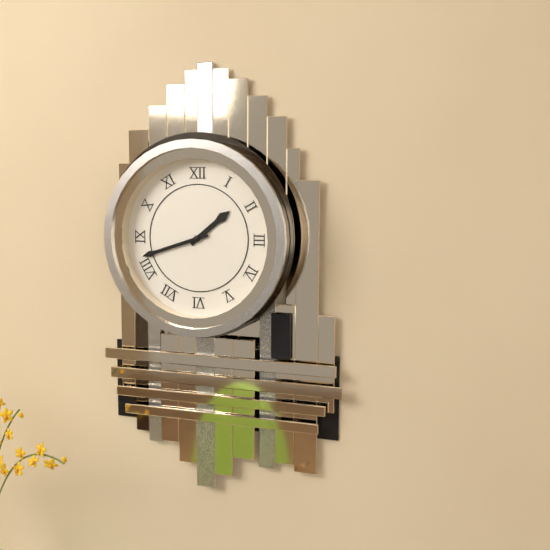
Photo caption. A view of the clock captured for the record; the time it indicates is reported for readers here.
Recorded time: 1:42
